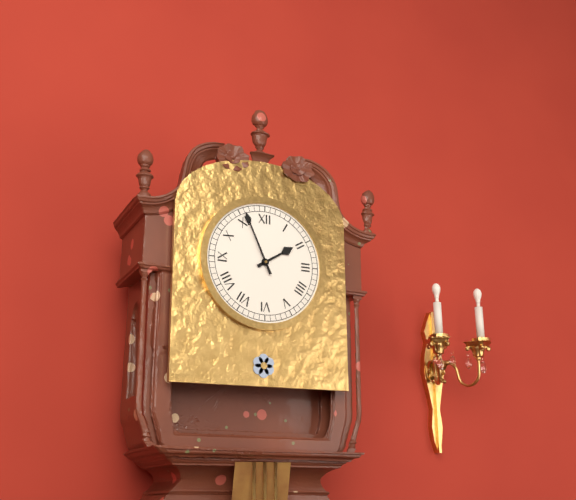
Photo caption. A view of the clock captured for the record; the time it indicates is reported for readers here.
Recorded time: 1:56
